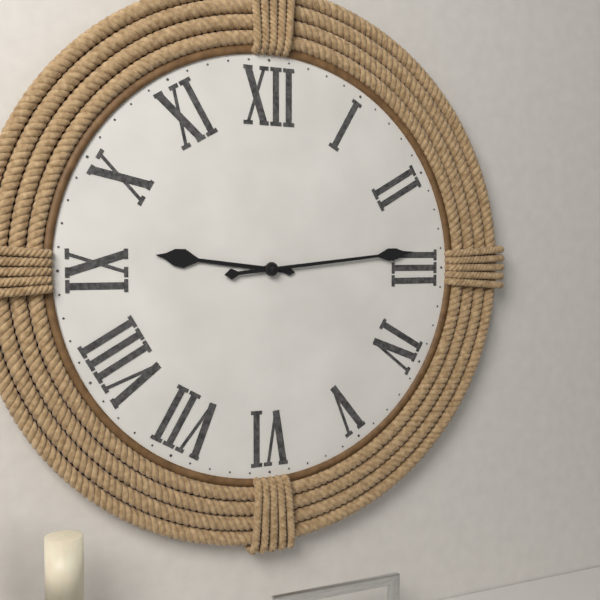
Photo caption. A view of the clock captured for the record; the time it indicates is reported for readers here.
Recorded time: 9:14
